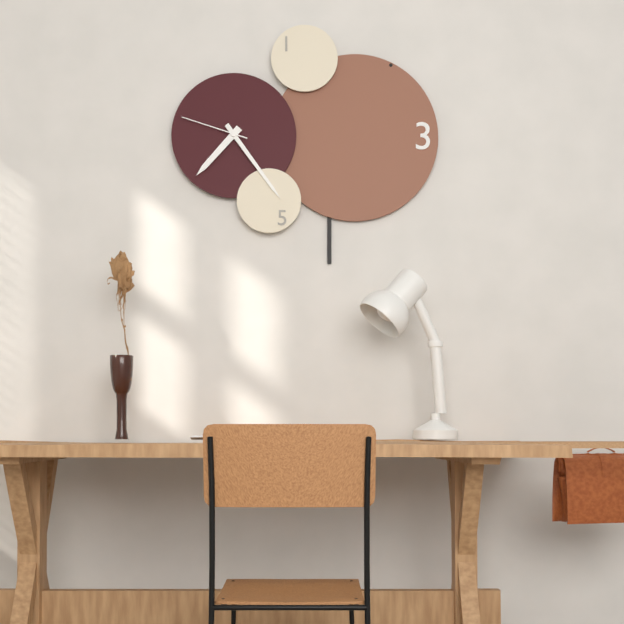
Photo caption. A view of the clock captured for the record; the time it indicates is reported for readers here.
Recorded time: 7:24:48
